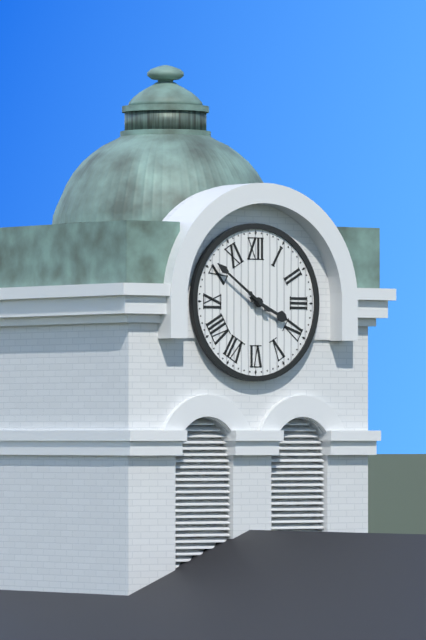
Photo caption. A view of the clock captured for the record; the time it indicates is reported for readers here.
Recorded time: 3:51
